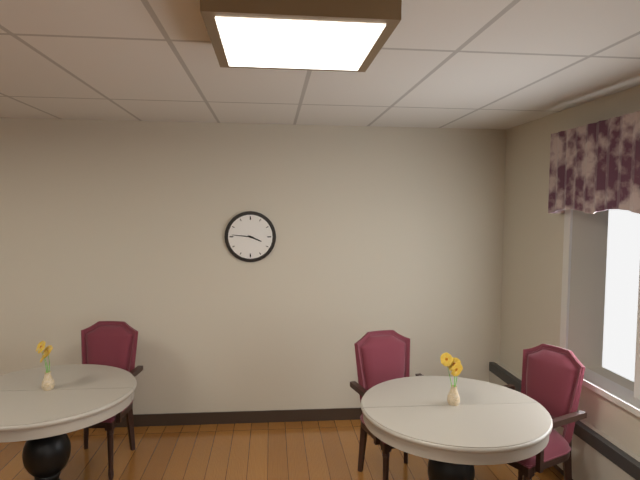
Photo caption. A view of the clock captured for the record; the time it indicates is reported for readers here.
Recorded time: 3:46
